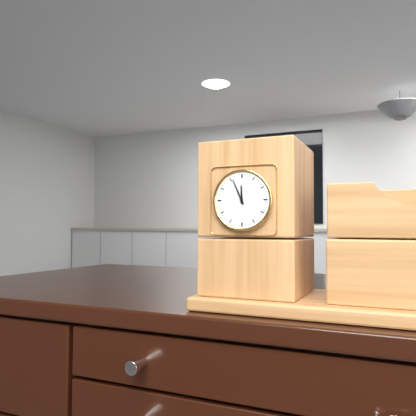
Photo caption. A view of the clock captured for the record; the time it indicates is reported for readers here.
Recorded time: 11:56
